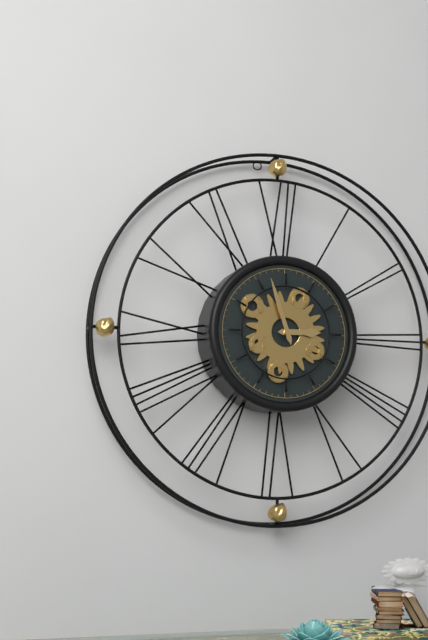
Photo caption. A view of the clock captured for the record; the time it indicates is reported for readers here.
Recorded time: 2:57
